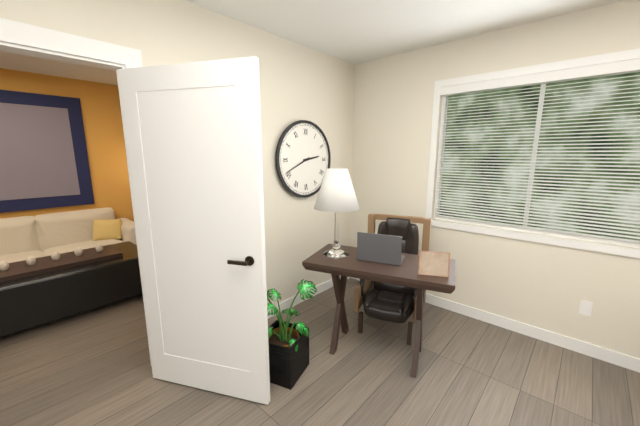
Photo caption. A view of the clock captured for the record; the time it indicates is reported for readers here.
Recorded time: 2:41
